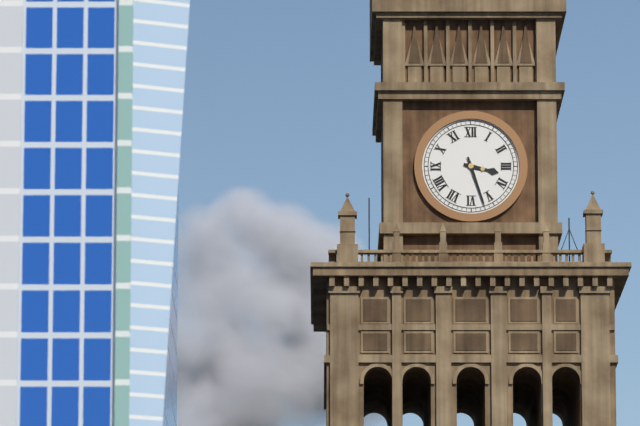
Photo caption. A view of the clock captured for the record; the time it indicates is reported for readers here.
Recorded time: 3:27
